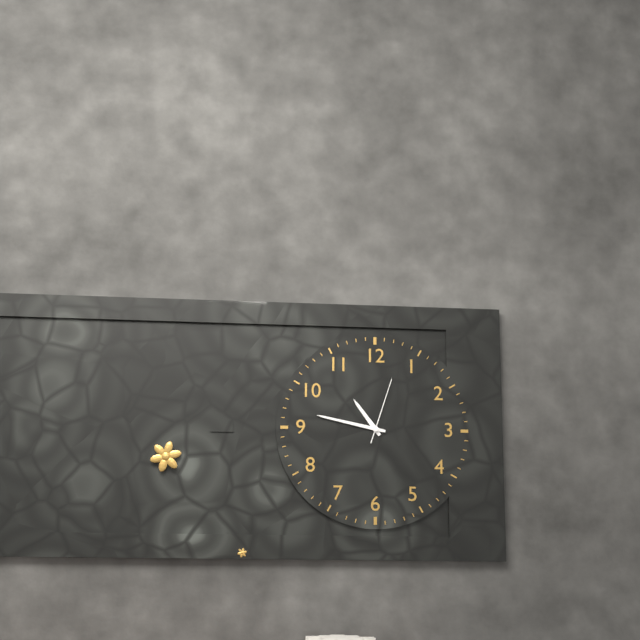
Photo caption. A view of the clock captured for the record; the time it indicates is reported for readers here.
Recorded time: 10:47:03
